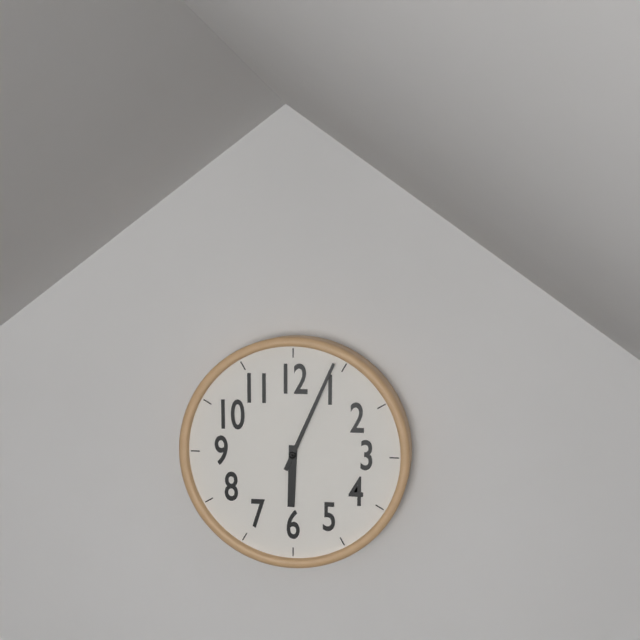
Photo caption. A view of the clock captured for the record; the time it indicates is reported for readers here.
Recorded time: 6:04
